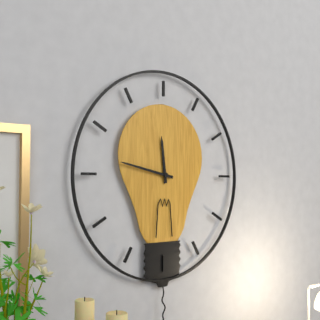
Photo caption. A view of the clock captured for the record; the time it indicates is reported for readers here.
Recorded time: 11:47
